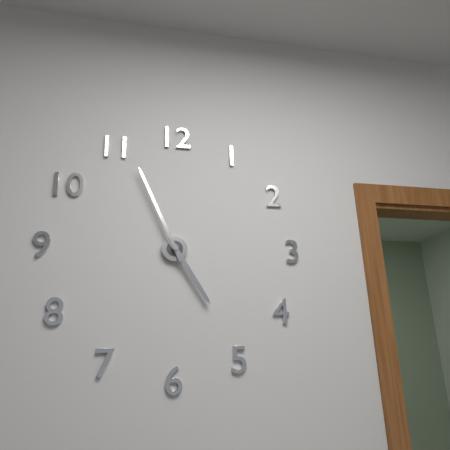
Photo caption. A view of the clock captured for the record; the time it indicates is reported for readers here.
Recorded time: 4:56
